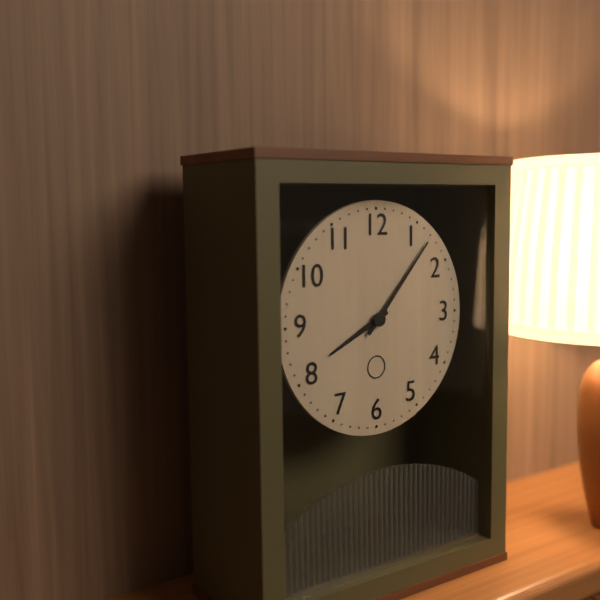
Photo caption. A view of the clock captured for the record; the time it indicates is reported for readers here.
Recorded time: 8:07
